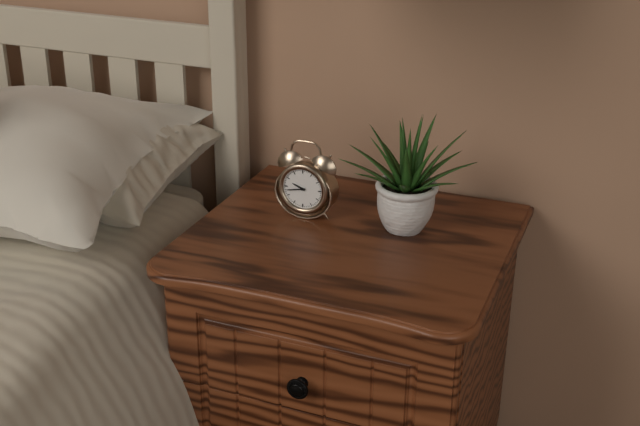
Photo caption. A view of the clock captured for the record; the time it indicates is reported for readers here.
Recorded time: 9:43
